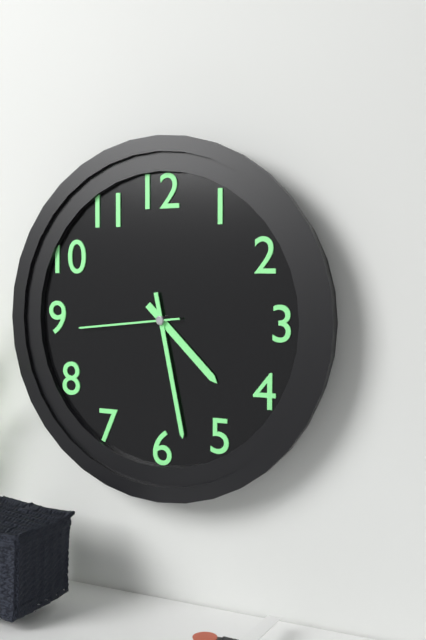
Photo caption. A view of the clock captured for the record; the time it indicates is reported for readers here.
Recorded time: 4:28:44
